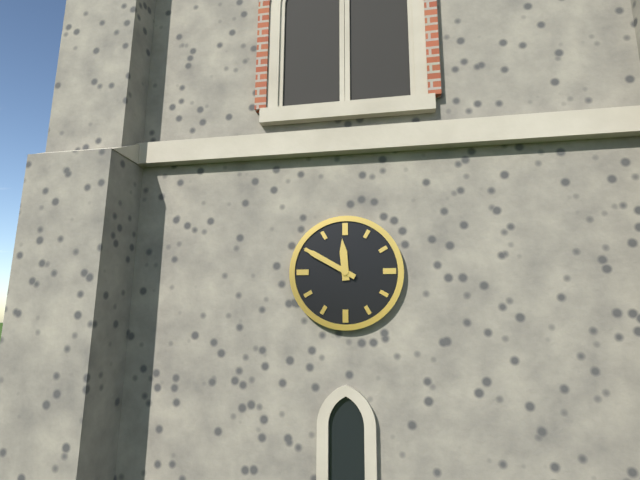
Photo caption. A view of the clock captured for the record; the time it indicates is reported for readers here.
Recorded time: 11:50
